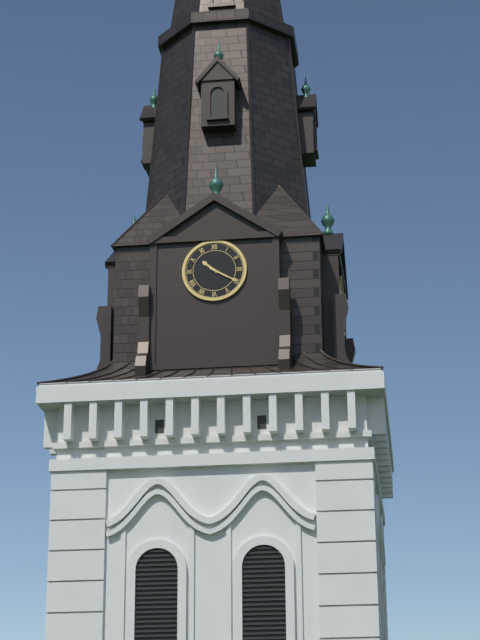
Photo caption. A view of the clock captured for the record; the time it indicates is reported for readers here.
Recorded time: 10:20
